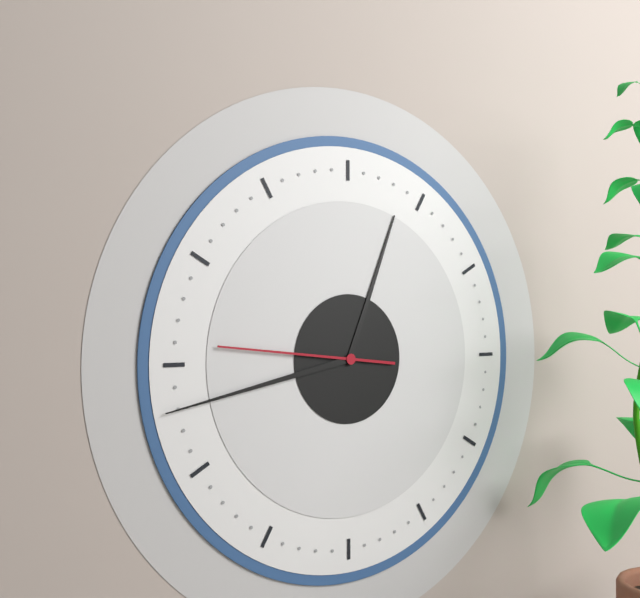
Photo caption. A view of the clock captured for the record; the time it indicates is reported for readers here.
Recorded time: 12:43:46
